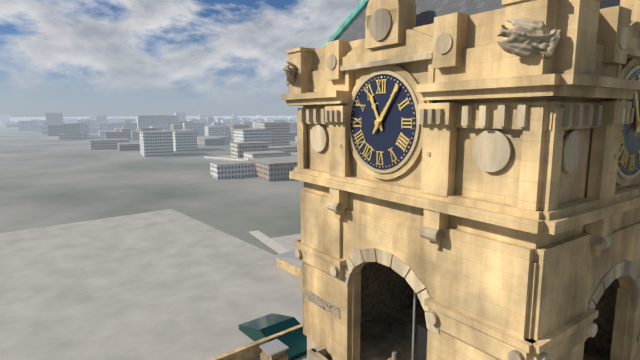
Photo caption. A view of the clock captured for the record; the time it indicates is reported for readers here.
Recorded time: 11:06
